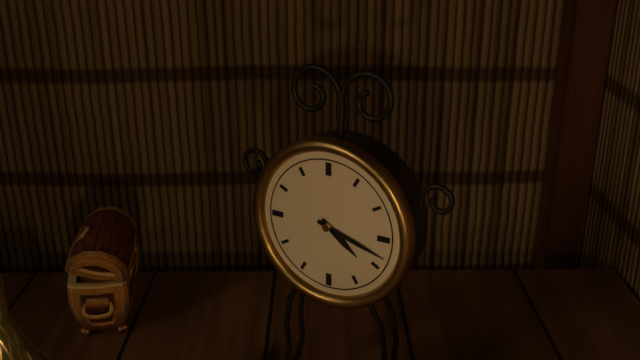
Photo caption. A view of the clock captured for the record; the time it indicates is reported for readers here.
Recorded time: 4:18
